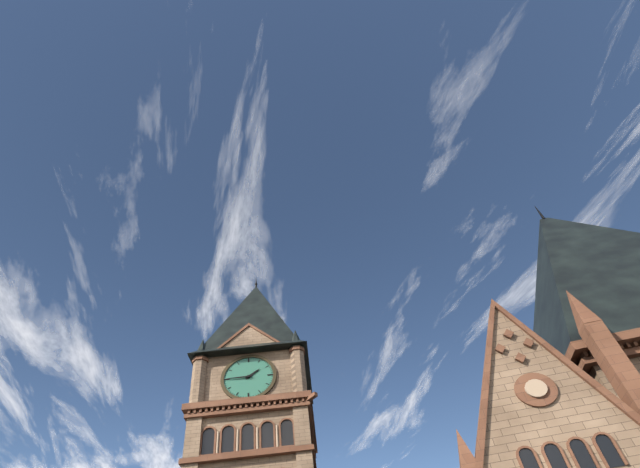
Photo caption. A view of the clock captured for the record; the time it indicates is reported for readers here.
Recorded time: 1:45
